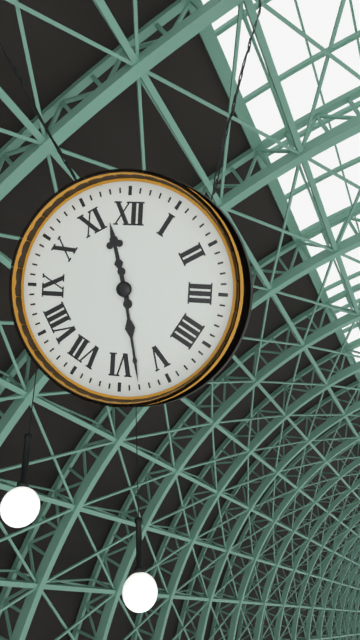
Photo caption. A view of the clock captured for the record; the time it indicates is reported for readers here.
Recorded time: 11:28
